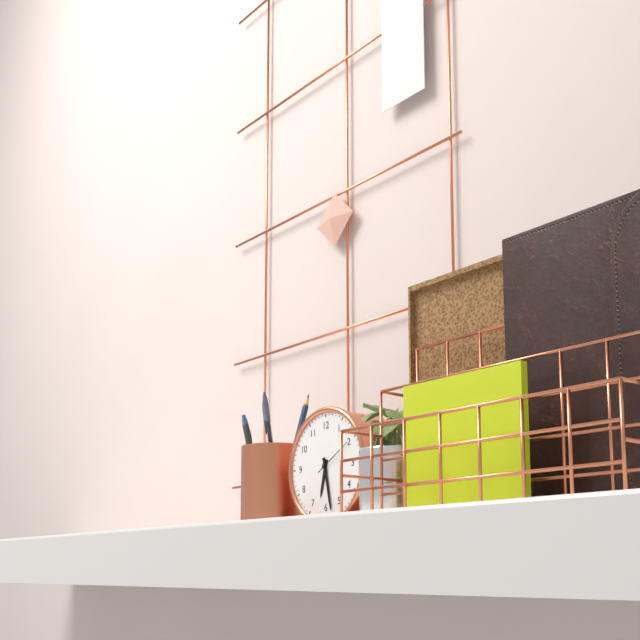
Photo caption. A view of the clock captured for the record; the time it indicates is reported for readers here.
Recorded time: 6:28
